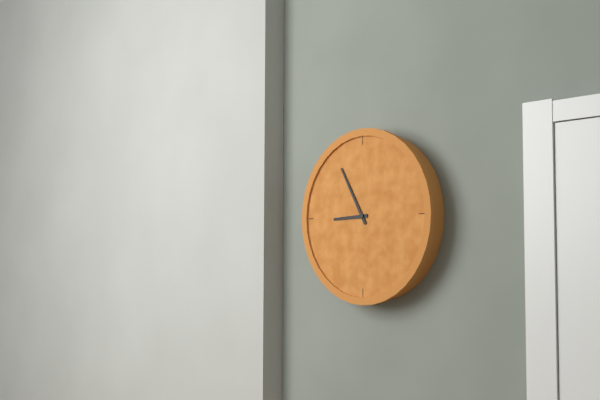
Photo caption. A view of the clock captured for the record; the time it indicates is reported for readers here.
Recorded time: 8:55
